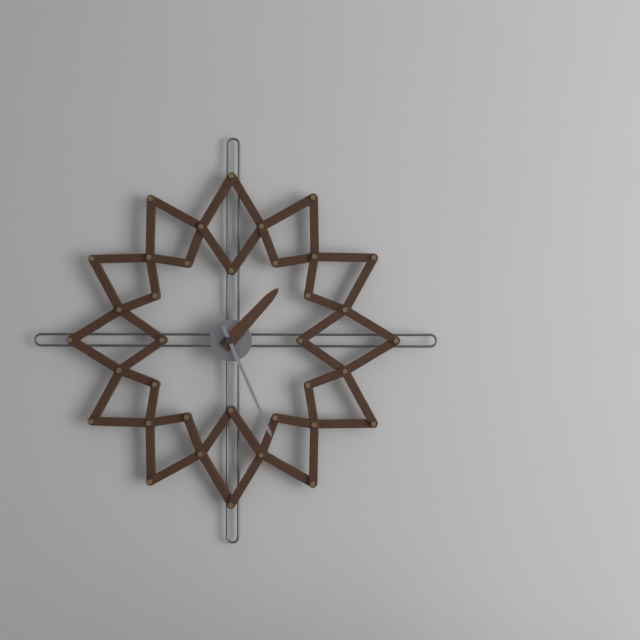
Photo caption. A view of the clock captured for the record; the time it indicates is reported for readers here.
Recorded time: 1:26
